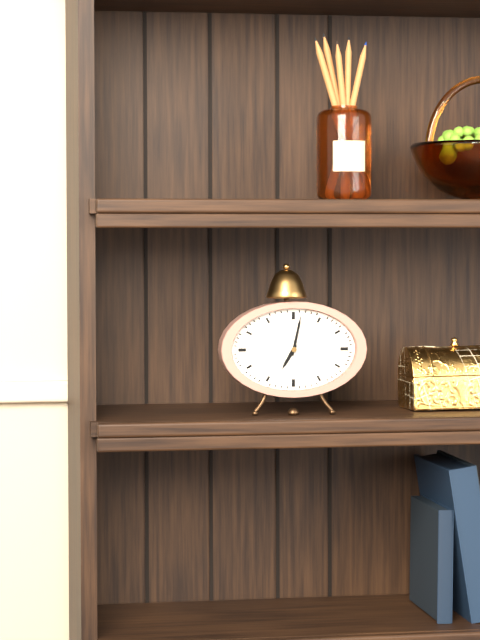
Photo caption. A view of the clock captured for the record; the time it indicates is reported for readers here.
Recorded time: 7:02
